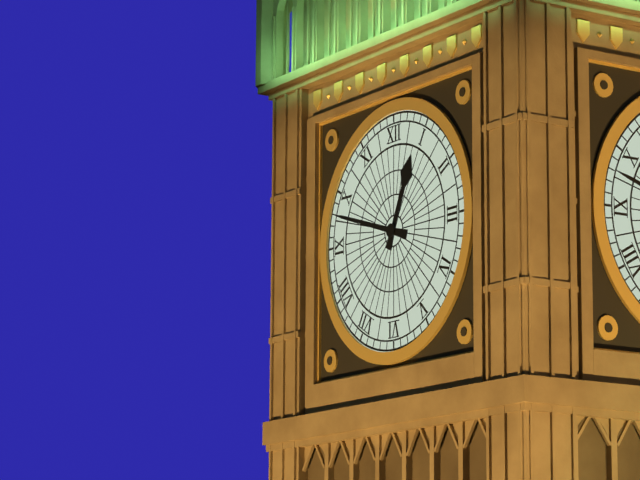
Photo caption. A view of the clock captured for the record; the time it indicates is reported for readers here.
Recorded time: 12:48
